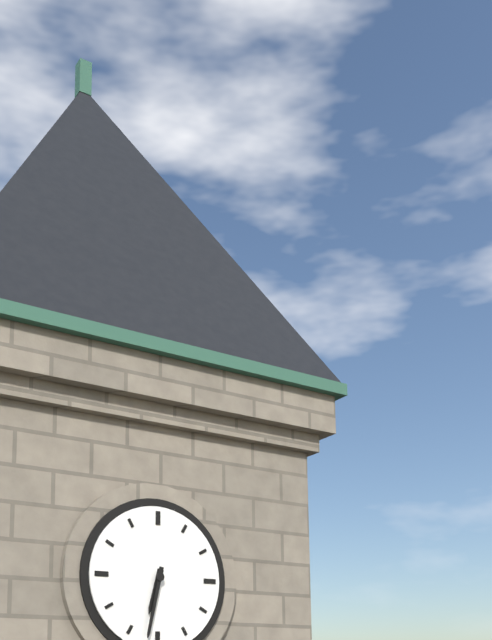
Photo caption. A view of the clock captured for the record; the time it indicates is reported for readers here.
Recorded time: 6:32
